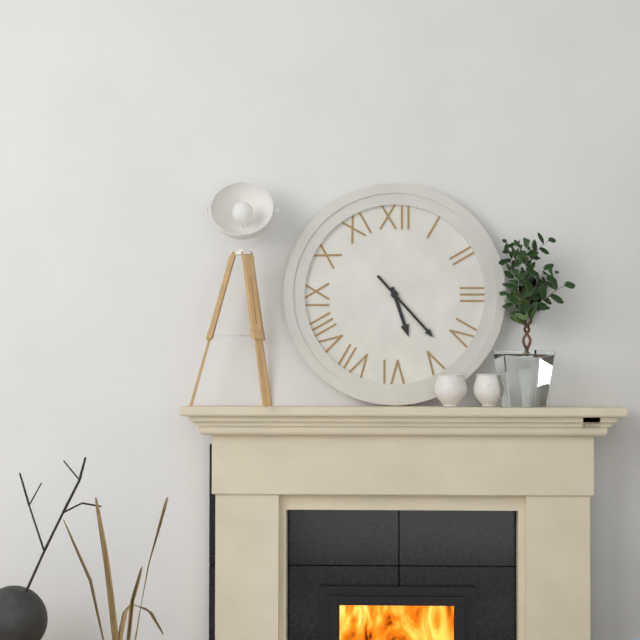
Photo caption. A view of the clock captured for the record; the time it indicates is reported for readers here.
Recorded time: 5:23
